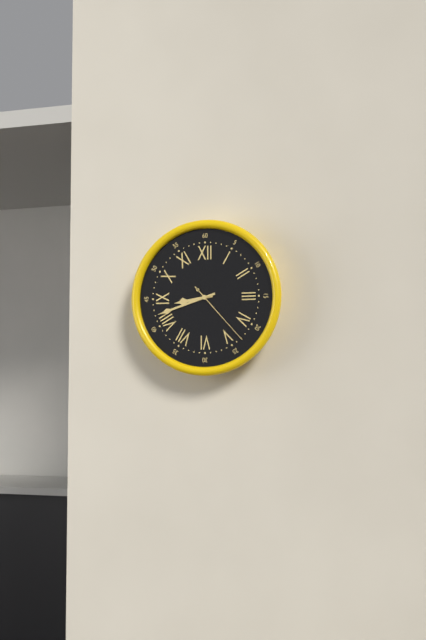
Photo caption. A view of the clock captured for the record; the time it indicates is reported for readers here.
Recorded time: 8:42:23
